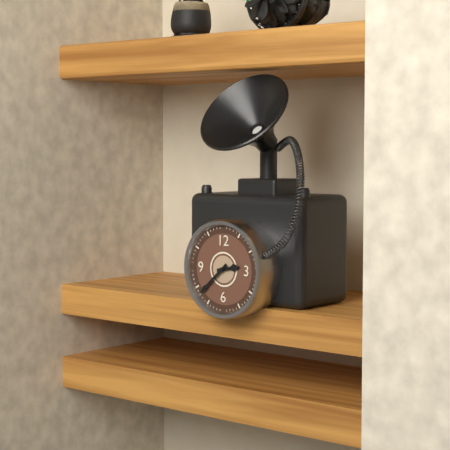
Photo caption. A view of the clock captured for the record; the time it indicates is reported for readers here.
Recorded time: 2:38
